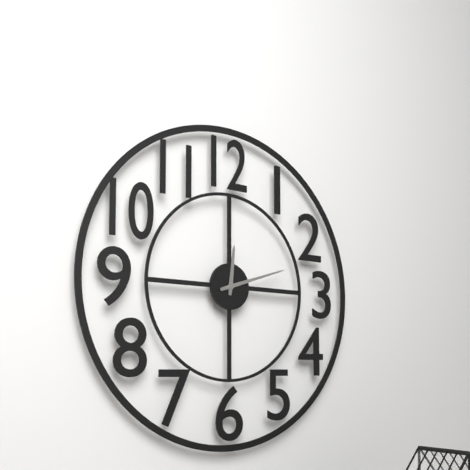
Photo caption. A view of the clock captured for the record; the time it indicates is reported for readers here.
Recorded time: 12:12
